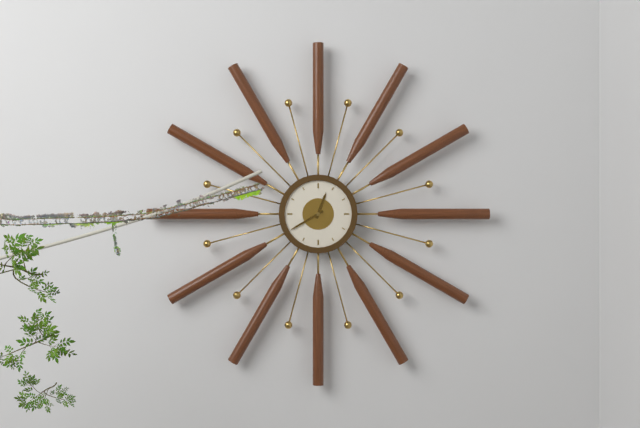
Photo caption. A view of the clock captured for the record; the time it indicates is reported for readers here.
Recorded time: 12:40
